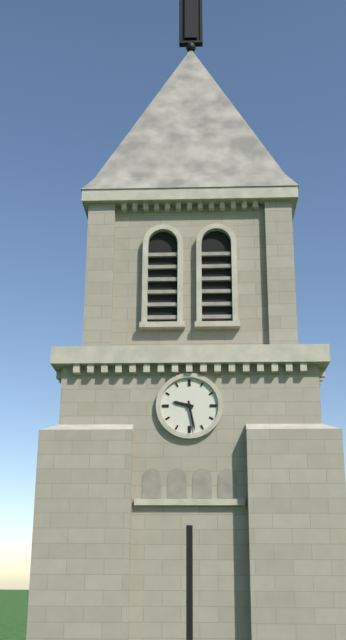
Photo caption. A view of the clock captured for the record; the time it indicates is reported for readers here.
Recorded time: 9:28
